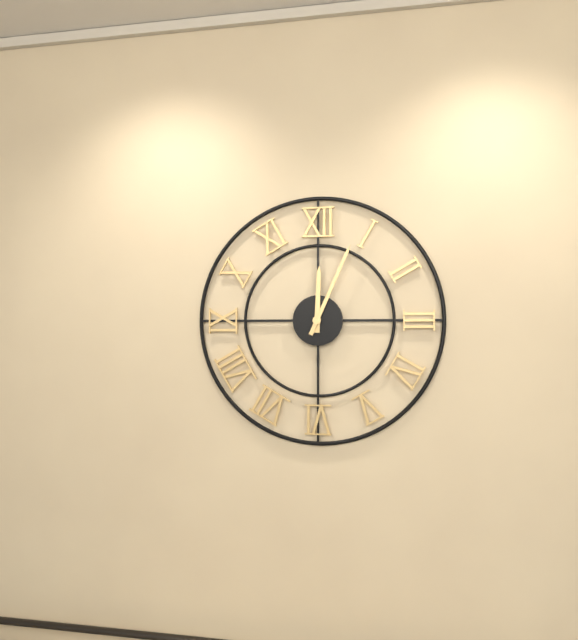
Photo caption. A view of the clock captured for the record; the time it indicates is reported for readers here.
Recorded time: 12:04
